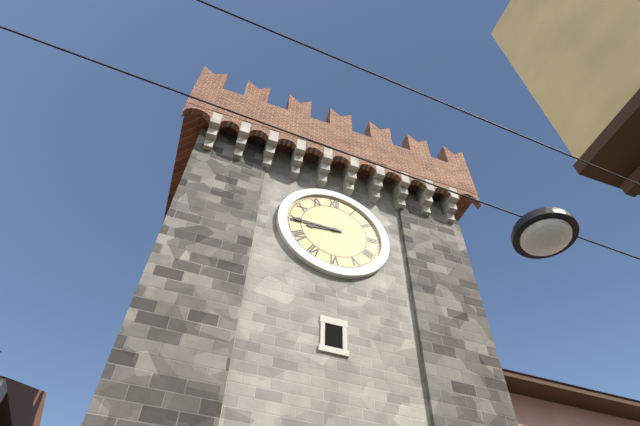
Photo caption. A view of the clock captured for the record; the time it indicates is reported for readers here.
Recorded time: 8:45
